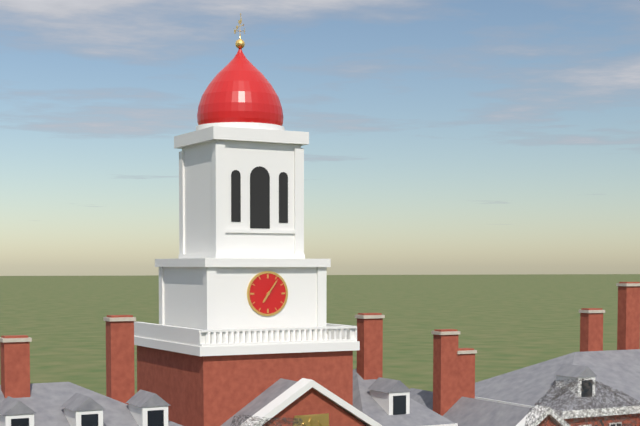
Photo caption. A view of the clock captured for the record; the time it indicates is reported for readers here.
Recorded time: 7:06
